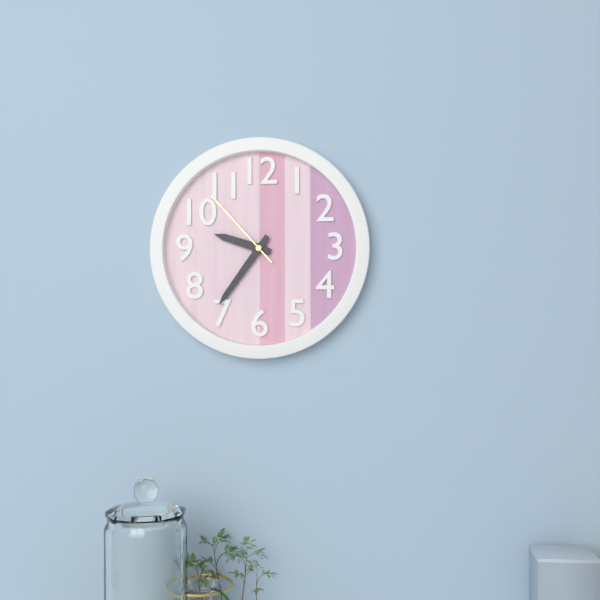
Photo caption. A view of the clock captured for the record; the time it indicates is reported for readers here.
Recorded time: 9:36:53
